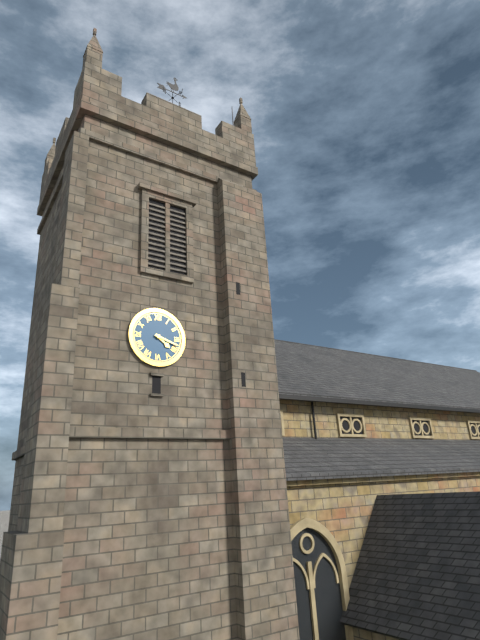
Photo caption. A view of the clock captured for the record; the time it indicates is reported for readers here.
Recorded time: 4:18
